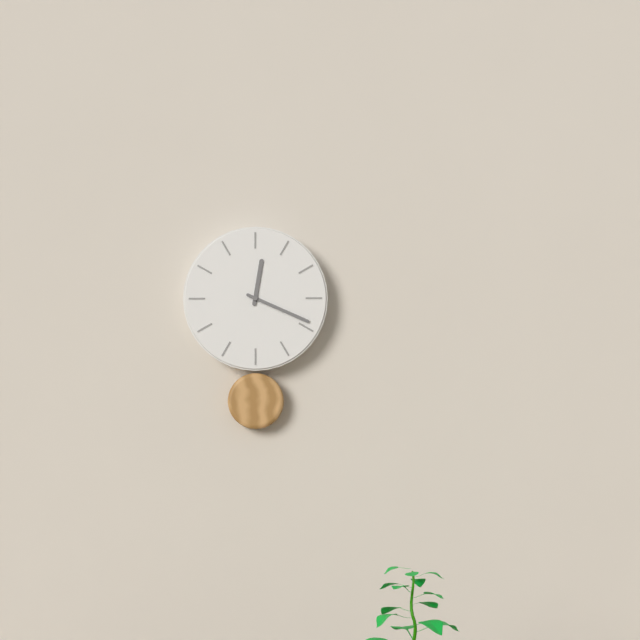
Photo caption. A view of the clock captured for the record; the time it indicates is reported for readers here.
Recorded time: 12:19
